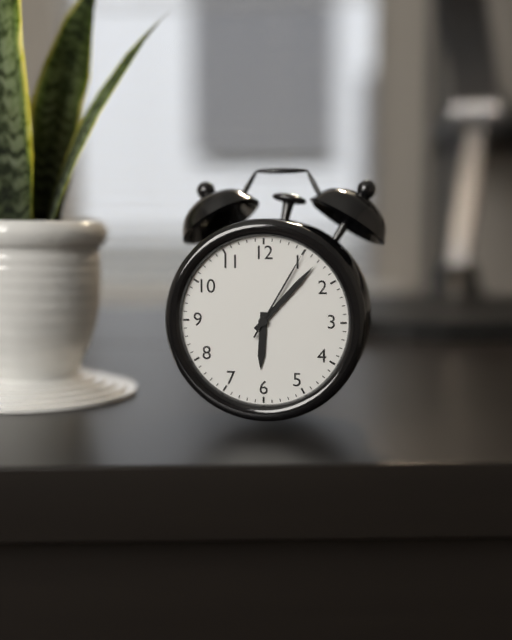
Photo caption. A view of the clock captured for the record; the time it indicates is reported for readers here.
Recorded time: 6:07:05
